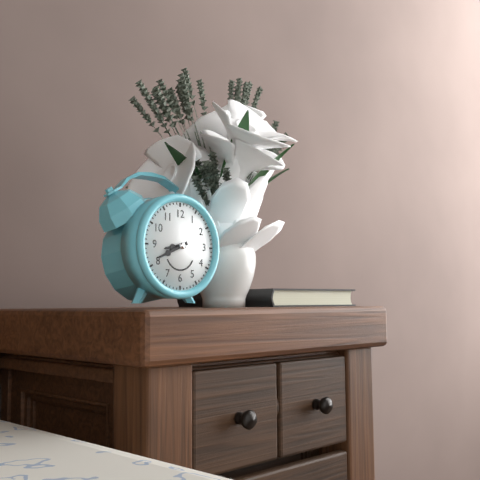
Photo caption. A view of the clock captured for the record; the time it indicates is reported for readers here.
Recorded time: 8:41
